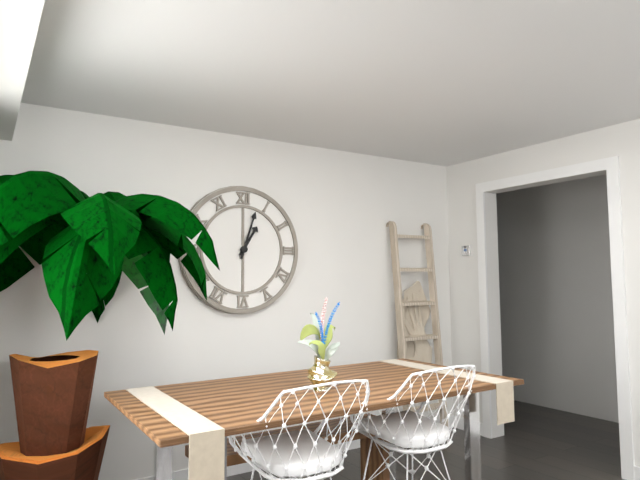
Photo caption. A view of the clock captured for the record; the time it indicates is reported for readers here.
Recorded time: 1:03
